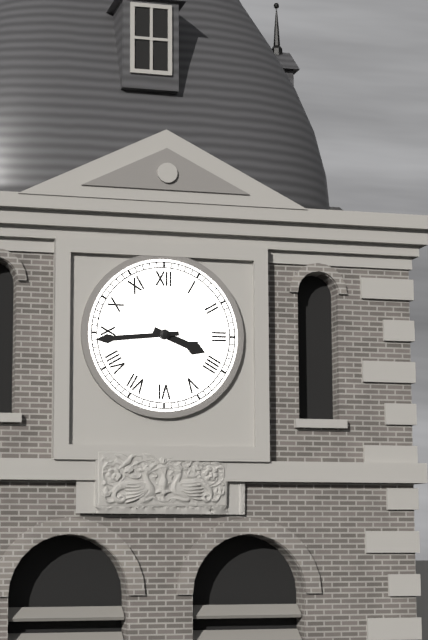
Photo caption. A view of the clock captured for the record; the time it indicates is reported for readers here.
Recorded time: 3:44
